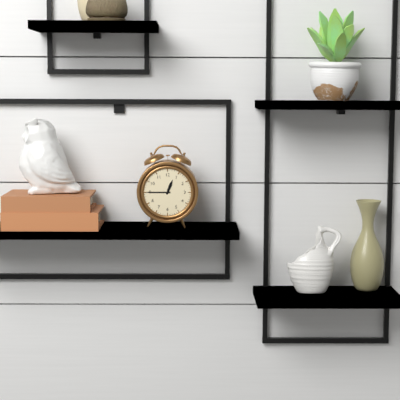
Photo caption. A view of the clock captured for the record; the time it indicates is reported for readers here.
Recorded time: 12:45
